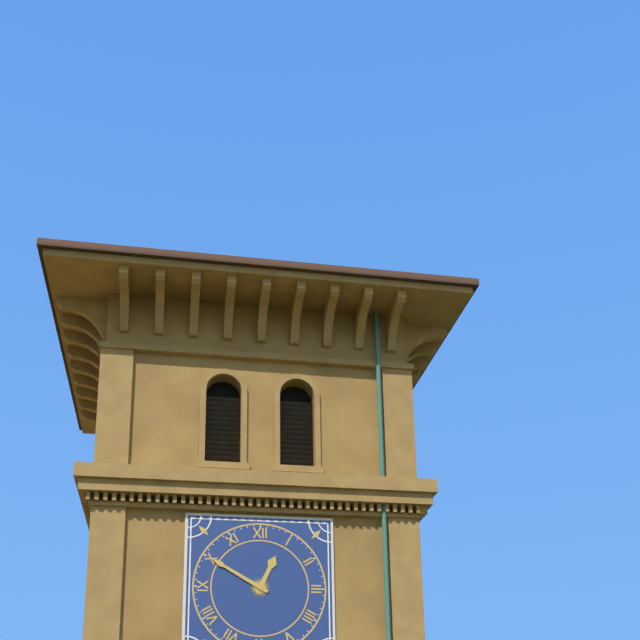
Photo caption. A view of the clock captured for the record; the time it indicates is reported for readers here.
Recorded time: 12:50
